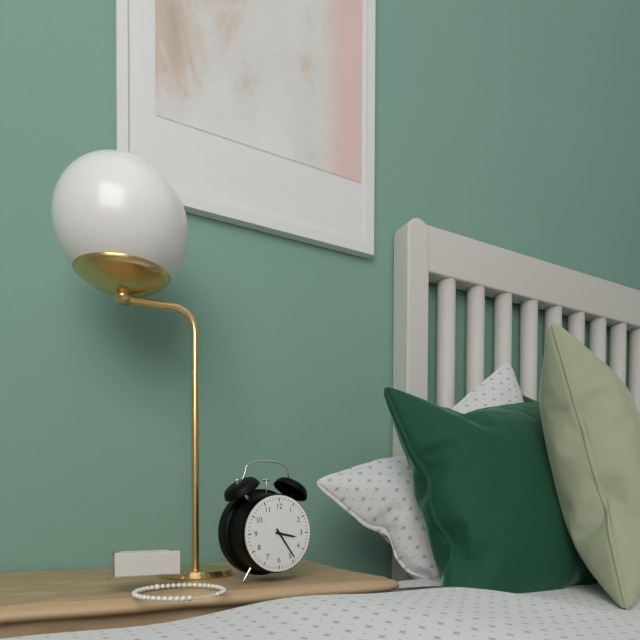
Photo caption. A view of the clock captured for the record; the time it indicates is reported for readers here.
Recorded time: 3:24
